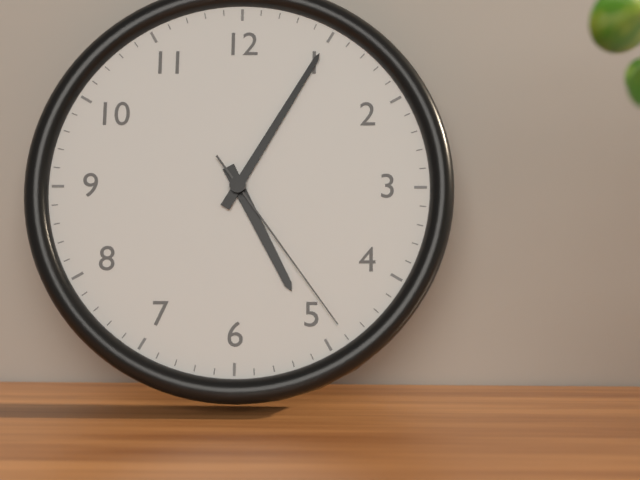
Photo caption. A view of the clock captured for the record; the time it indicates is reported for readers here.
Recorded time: 5:05:24
